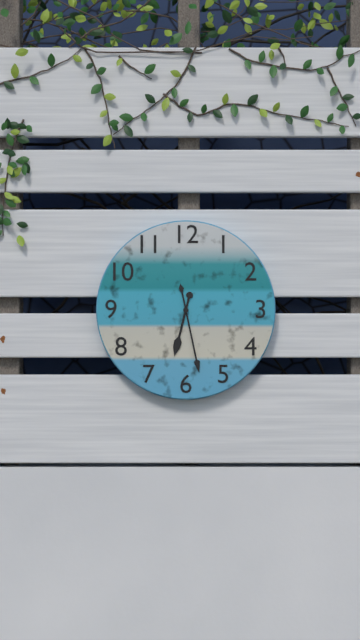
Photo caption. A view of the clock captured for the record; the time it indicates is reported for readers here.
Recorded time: 6:28
